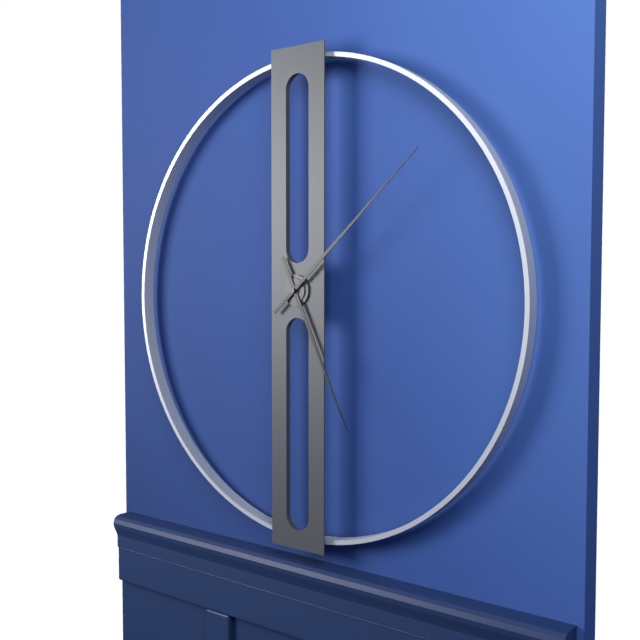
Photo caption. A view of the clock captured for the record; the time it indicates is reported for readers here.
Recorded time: 5:08
